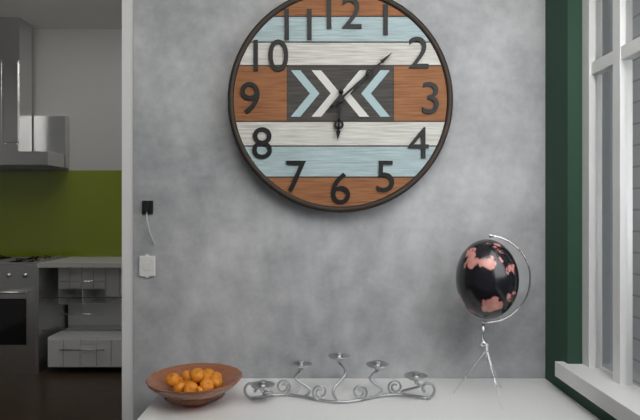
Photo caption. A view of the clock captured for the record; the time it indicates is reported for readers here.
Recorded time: 6:08
